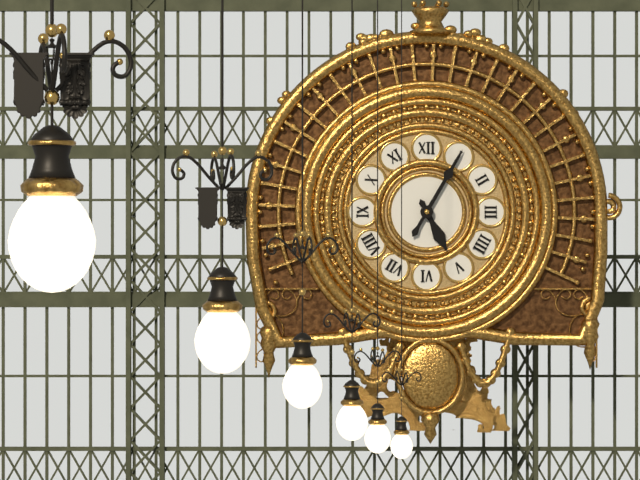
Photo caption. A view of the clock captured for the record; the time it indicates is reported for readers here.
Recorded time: 5:05
